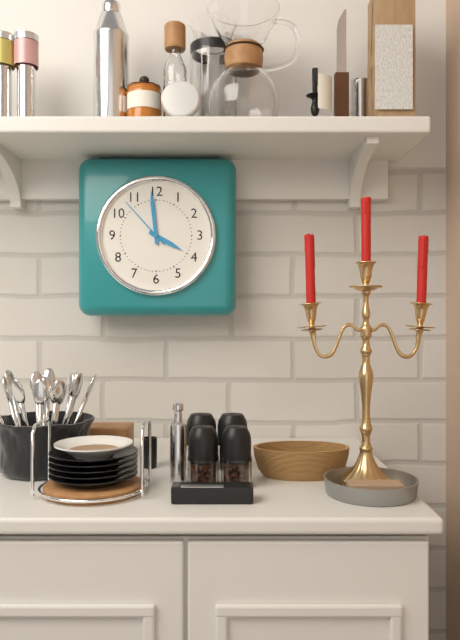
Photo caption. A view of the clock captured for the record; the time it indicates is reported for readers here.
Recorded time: 3:59:53
